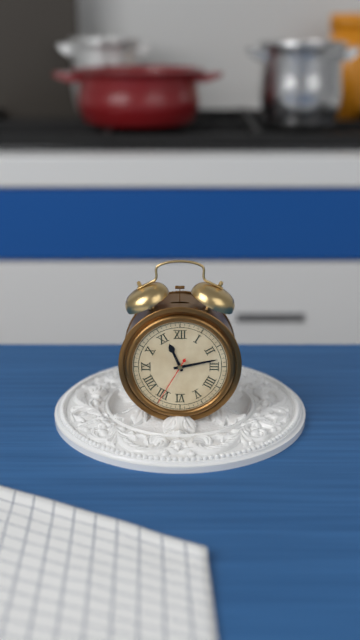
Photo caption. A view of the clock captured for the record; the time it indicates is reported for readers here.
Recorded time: 11:13:35
